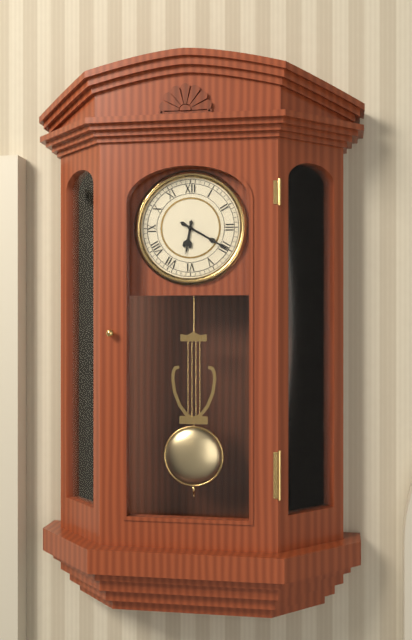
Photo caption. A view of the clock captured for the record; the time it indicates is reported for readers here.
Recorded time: 6:20
